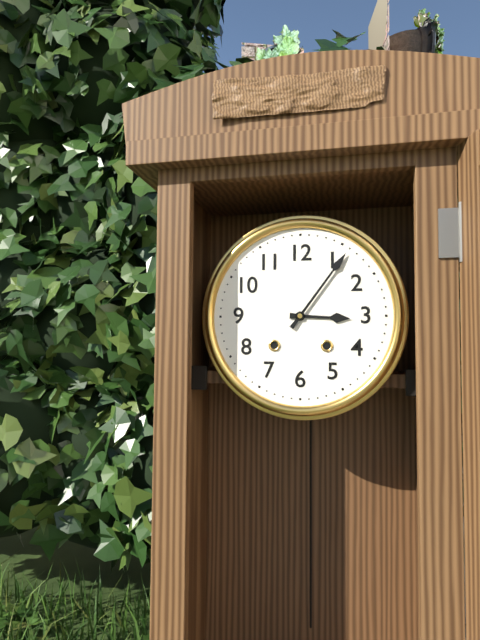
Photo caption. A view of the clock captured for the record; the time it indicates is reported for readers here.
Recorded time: 3:06
